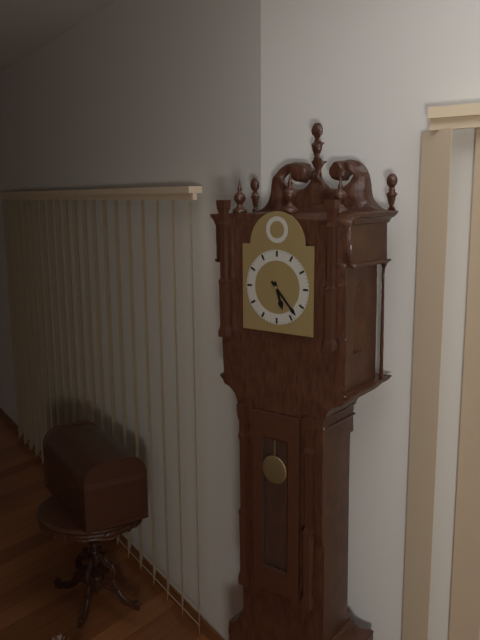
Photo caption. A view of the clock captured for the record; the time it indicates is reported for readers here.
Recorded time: 5:23
